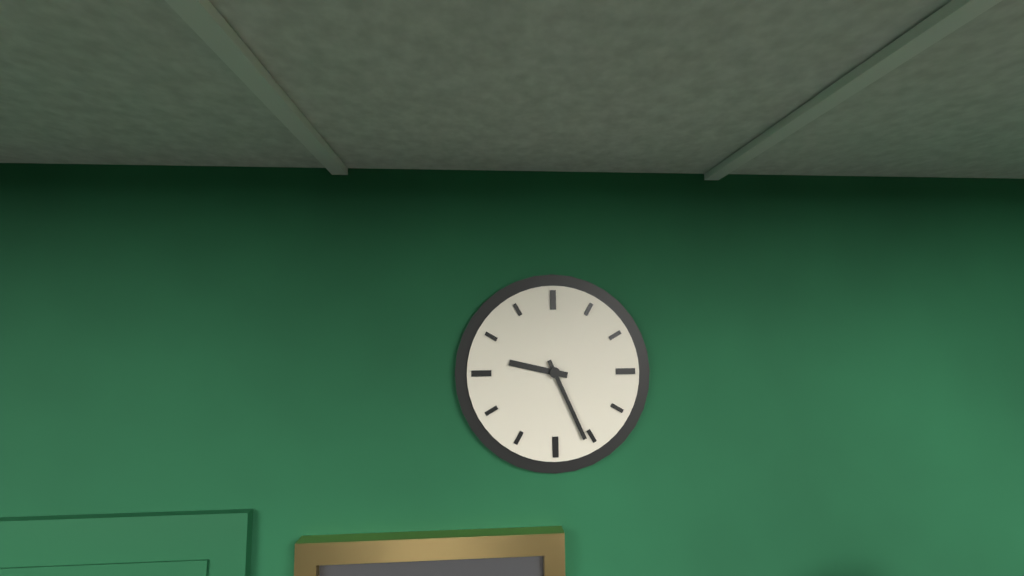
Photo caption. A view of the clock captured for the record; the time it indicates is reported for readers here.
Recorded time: 9:26
